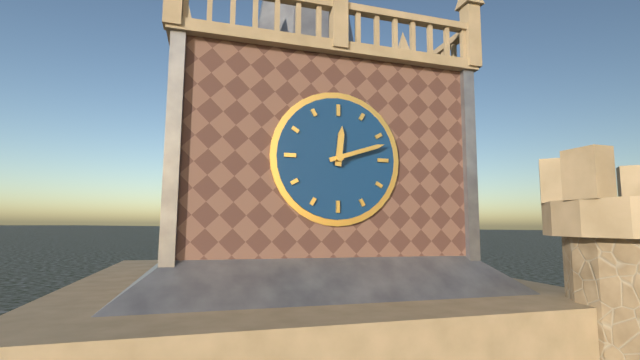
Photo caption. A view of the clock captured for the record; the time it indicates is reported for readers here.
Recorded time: 12:12
